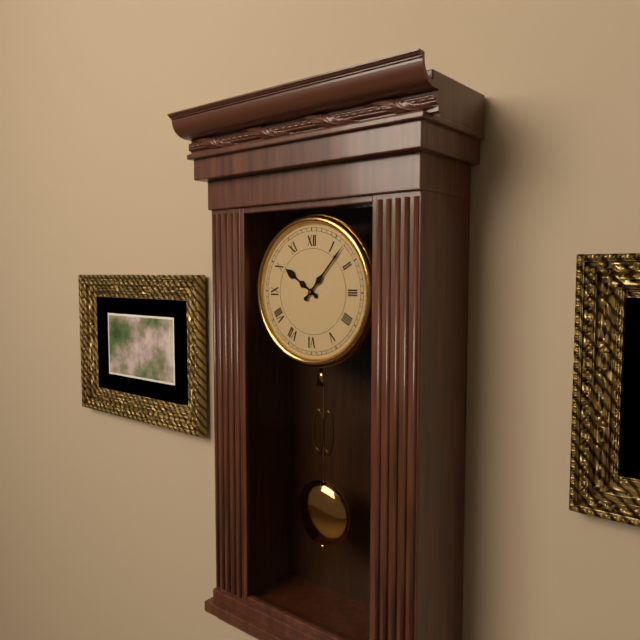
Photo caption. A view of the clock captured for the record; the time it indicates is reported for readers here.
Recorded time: 10:07
